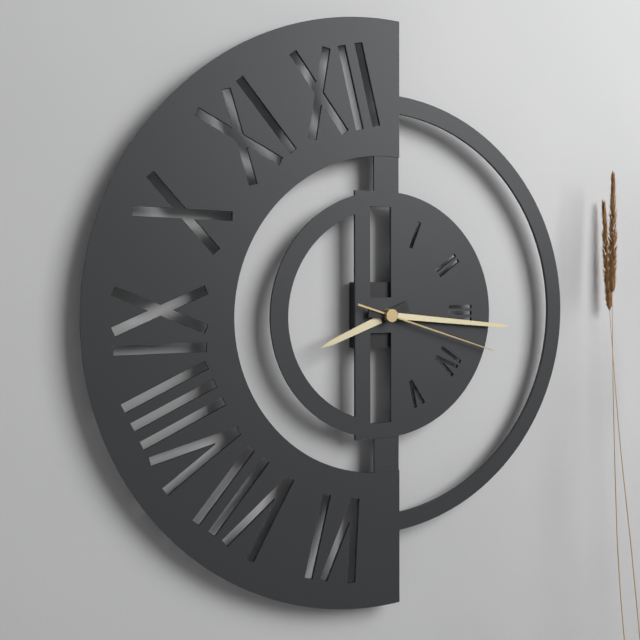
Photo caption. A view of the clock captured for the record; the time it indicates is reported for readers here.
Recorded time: 8:16:18
